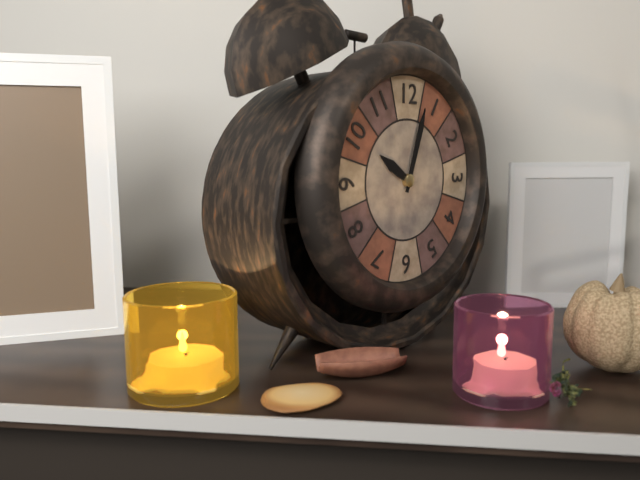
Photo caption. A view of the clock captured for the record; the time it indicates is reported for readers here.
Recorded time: 10:03
